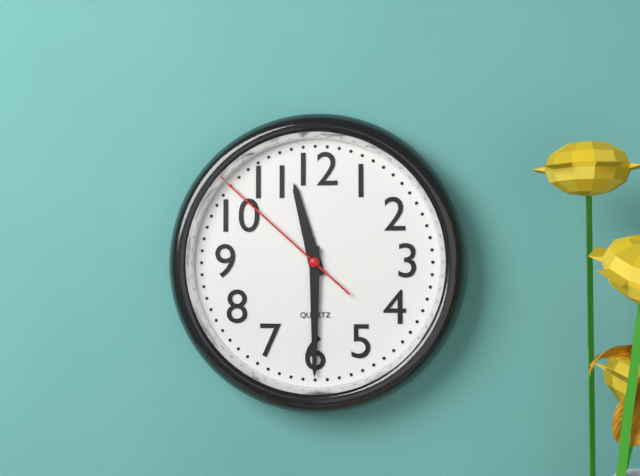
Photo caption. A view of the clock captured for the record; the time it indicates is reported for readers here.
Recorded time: 11:30:52
